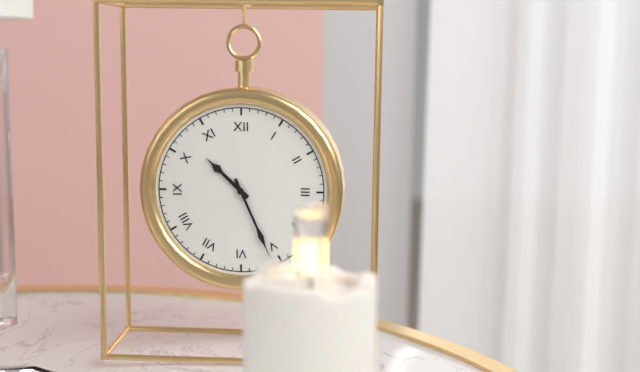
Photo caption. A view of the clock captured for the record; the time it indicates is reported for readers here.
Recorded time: 10:26
